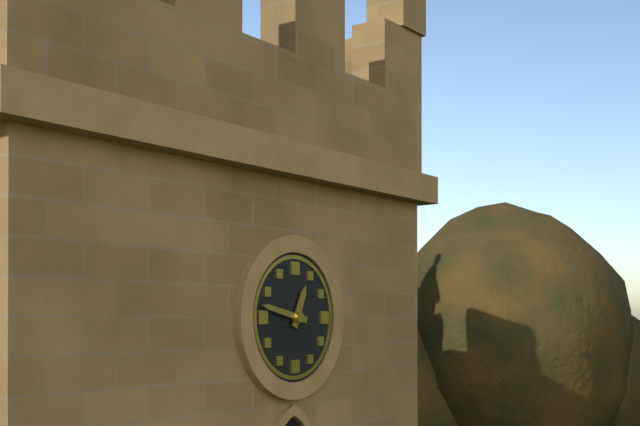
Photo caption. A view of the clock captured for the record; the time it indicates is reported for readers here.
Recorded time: 12:47
